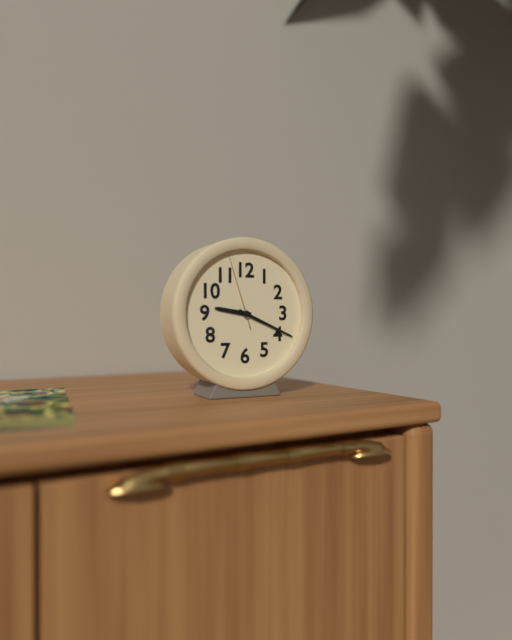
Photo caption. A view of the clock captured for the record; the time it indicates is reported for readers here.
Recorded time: 9:19:57
